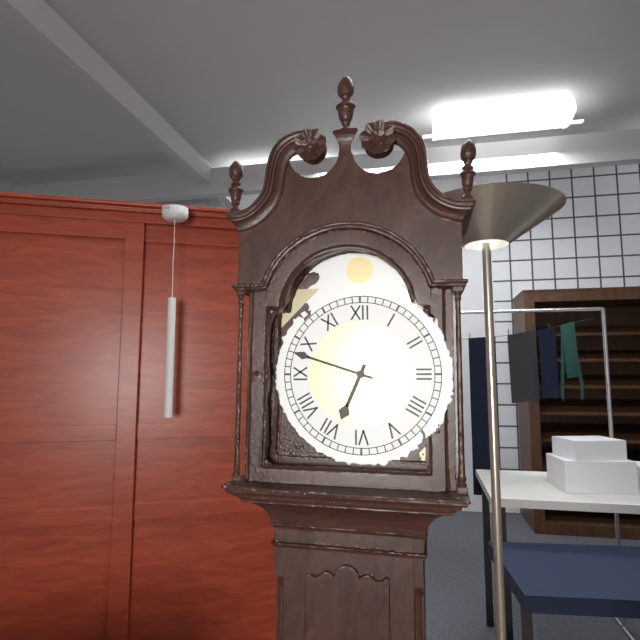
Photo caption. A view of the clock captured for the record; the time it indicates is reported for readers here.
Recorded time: 6:48
